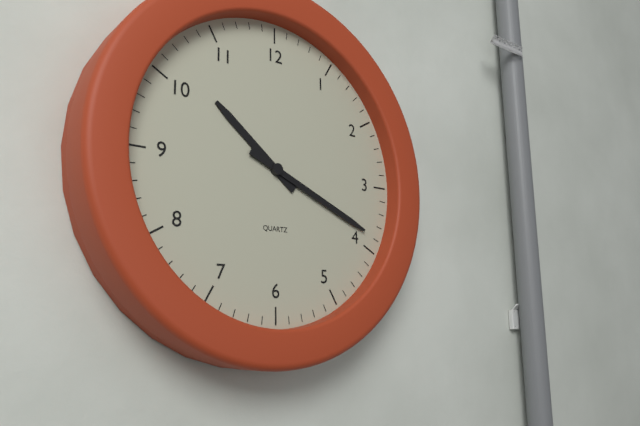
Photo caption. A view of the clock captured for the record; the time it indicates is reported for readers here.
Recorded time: 10:19
